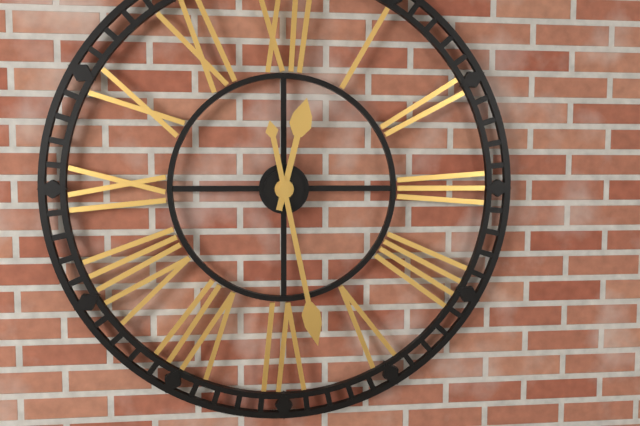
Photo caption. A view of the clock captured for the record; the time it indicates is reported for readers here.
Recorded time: 12:28
